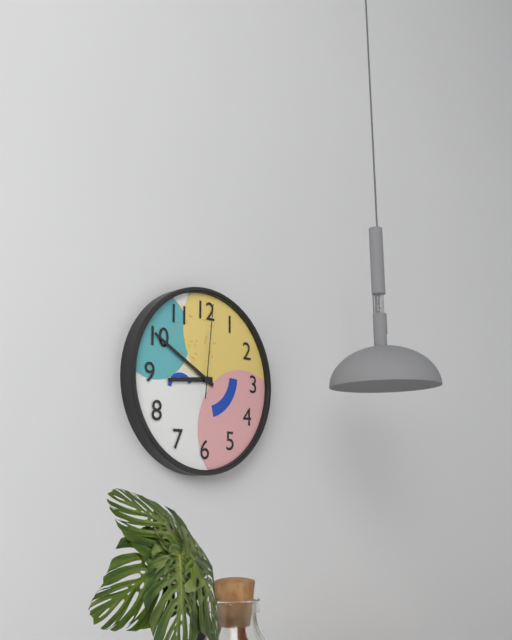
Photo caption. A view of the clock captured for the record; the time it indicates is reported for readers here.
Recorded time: 8:50:01
